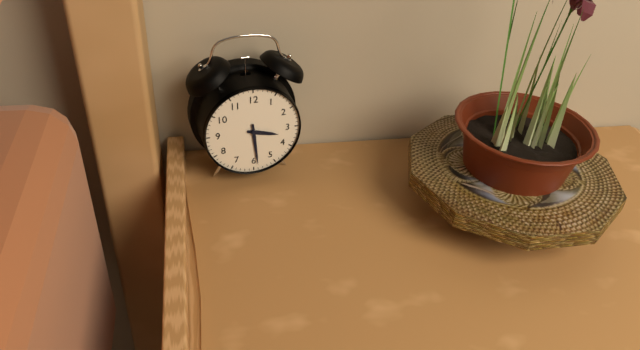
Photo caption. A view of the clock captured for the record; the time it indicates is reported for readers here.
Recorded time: 3:29
